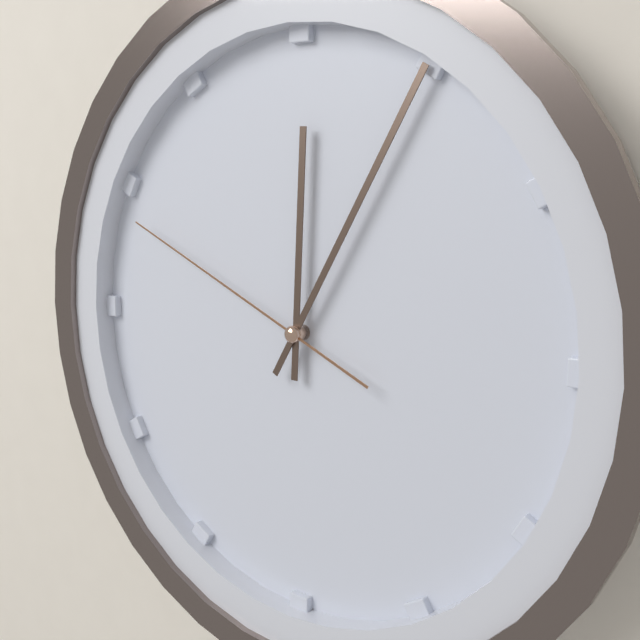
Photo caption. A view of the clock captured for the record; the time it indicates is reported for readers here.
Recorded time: 12:05:49
